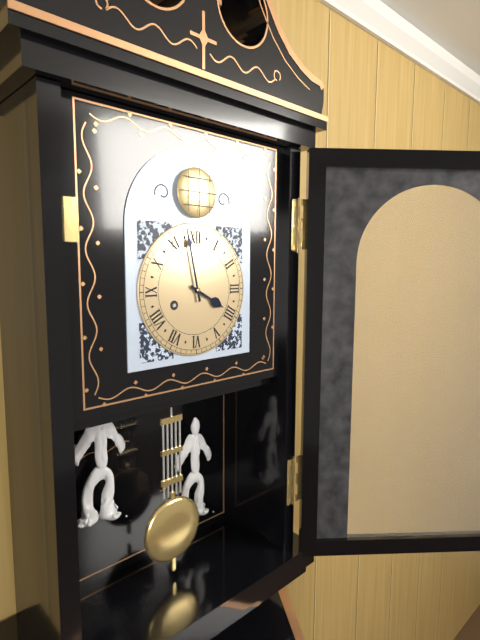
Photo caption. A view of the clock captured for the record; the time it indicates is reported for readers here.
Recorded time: 3:58
